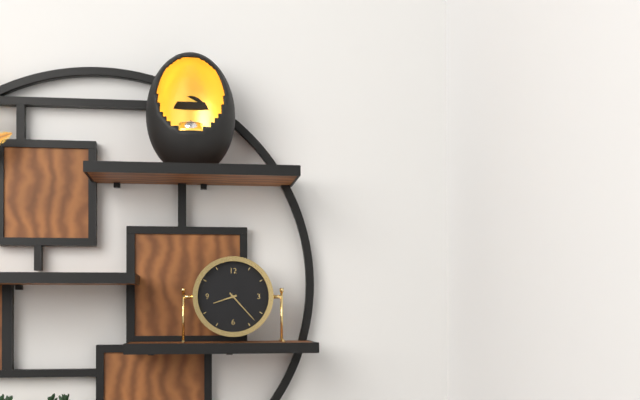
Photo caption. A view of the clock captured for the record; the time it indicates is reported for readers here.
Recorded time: 8:23
